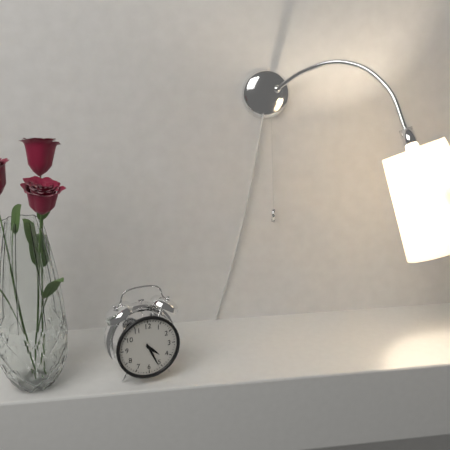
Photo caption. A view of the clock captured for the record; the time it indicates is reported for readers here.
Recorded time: 4:26
